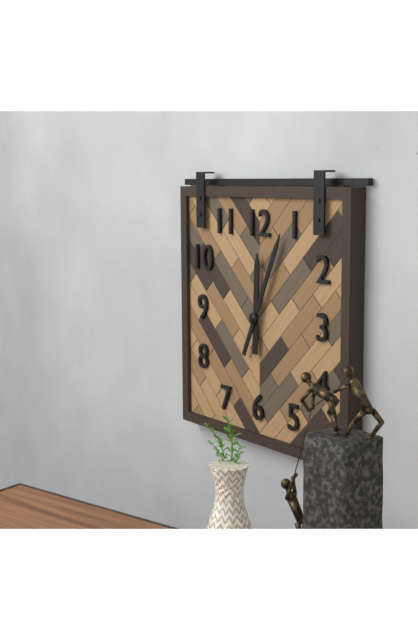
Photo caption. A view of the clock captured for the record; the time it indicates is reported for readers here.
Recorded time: 12:04
